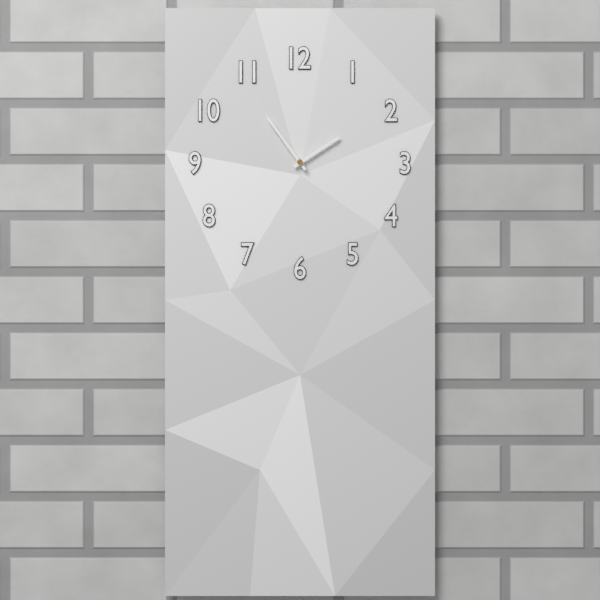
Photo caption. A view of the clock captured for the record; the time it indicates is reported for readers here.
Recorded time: 1:54
